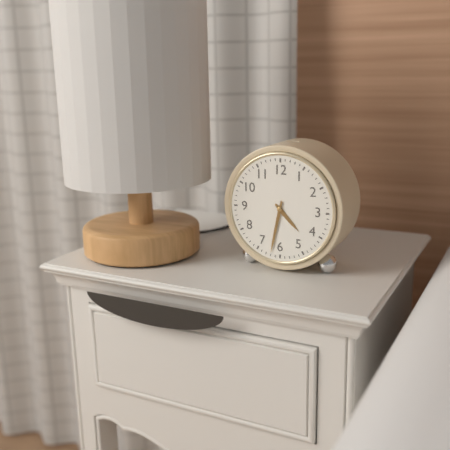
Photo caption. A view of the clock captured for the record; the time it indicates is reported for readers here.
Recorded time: 4:32
